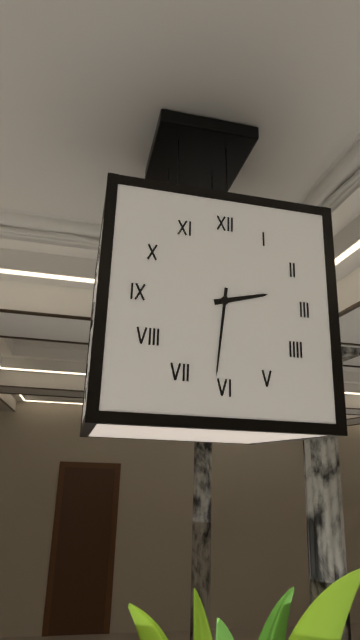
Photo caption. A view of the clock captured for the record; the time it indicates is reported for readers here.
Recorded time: 2:31
